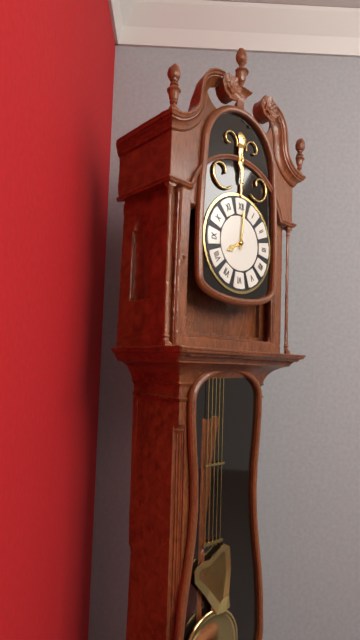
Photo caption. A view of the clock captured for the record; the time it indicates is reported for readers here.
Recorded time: 8:01
